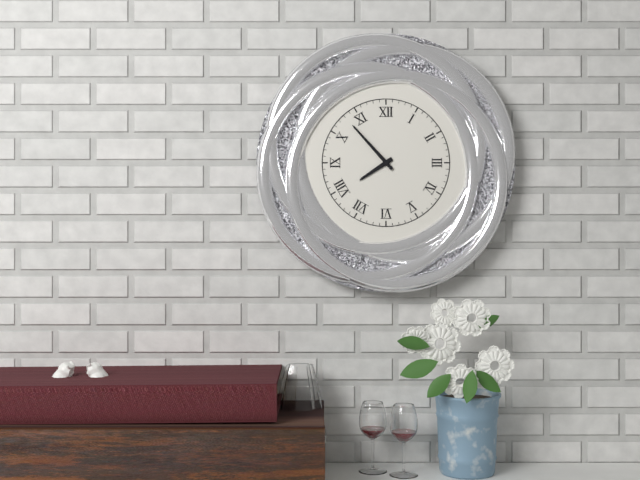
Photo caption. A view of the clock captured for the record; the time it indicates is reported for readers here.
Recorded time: 7:53
